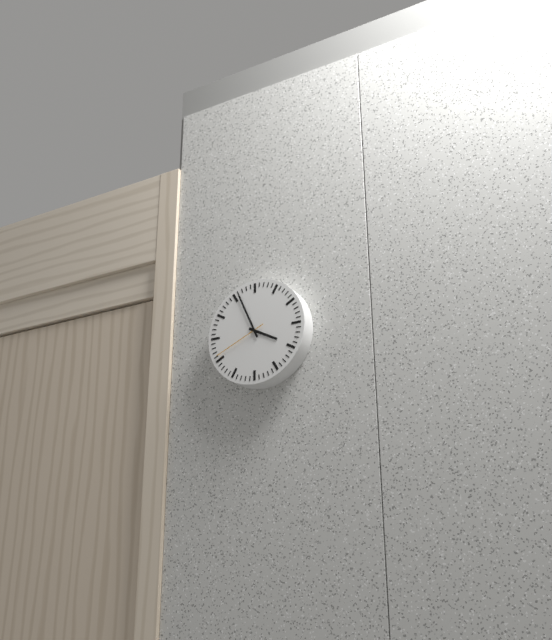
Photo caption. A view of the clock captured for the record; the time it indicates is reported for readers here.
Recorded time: 3:56:41
